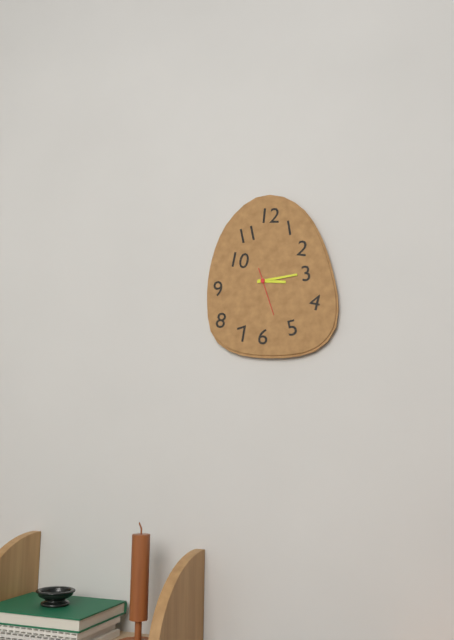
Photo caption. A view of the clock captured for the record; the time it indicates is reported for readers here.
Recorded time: 3:14
